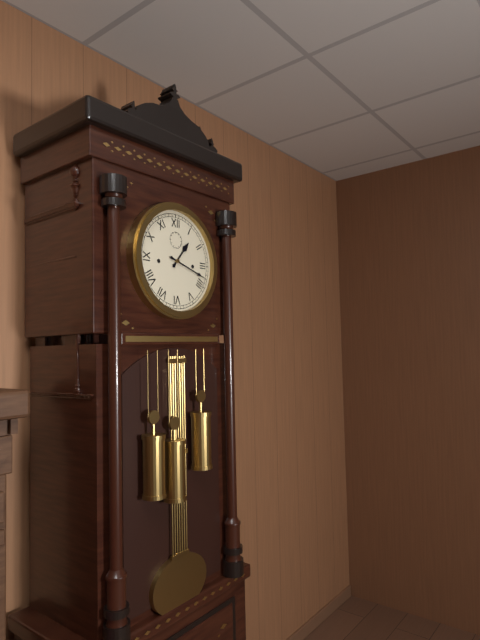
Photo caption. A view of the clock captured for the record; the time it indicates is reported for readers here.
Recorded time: 1:18
